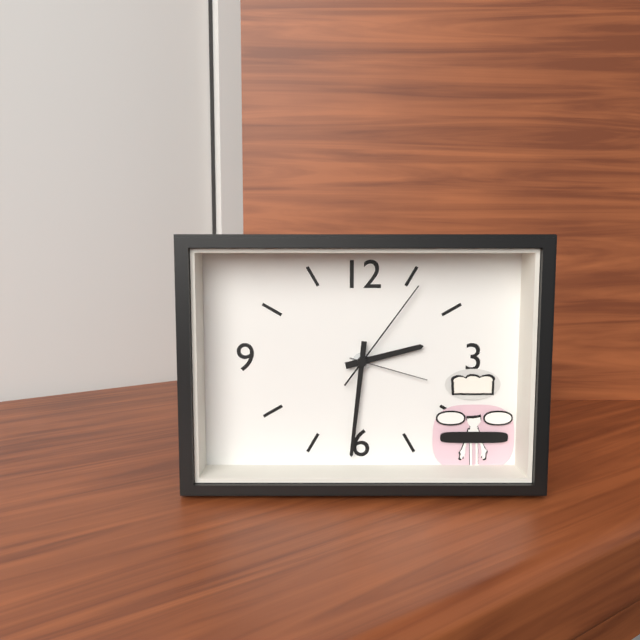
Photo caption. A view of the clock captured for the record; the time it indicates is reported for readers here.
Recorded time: 2:31:06
